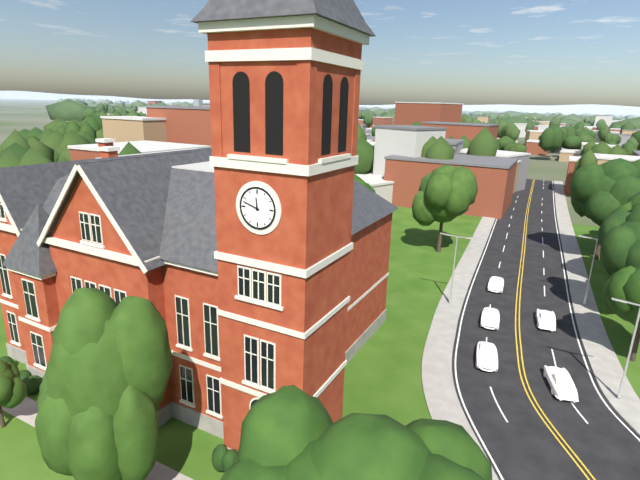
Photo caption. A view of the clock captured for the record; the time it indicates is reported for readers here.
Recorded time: 11:48
